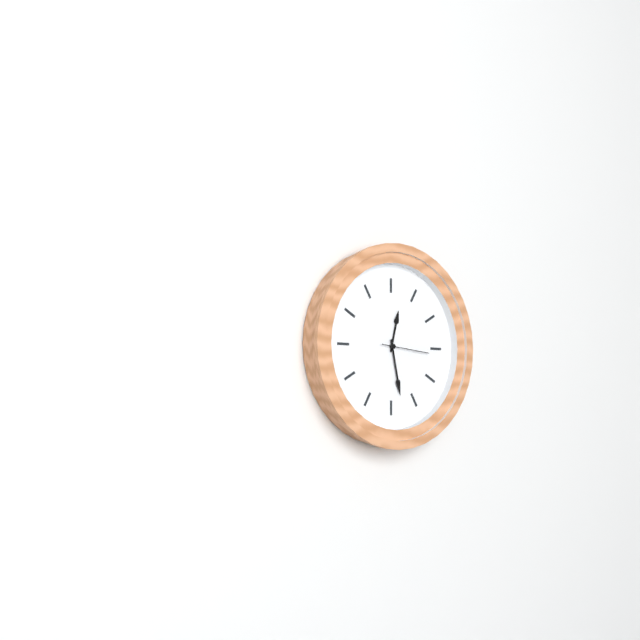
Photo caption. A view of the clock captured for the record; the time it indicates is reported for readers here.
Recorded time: 12:28
